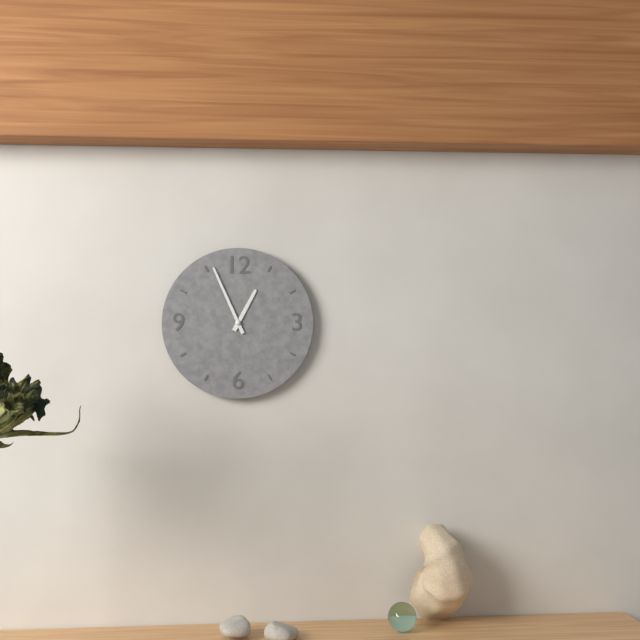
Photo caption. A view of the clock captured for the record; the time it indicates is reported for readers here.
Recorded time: 12:56
